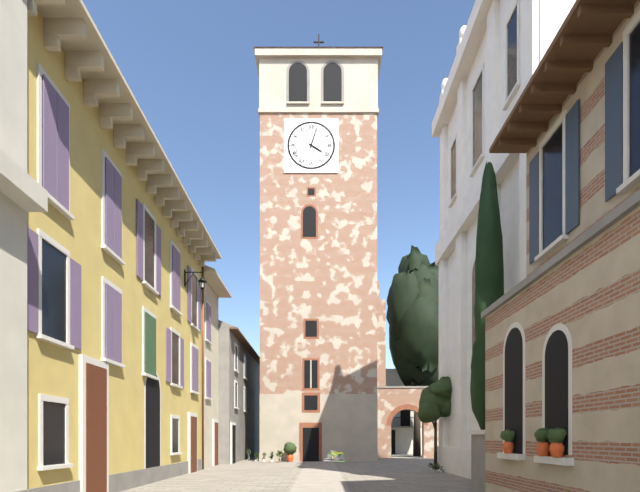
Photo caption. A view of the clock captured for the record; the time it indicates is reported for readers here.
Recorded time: 4:03
